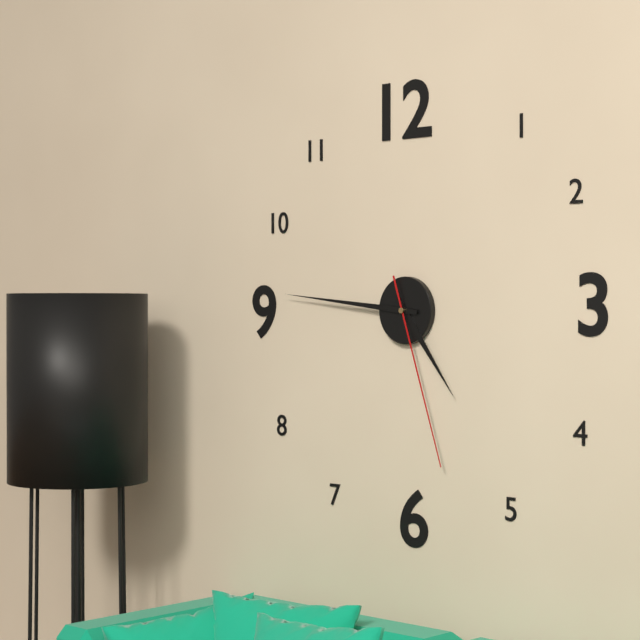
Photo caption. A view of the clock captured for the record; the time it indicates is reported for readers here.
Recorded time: 4:46:27
